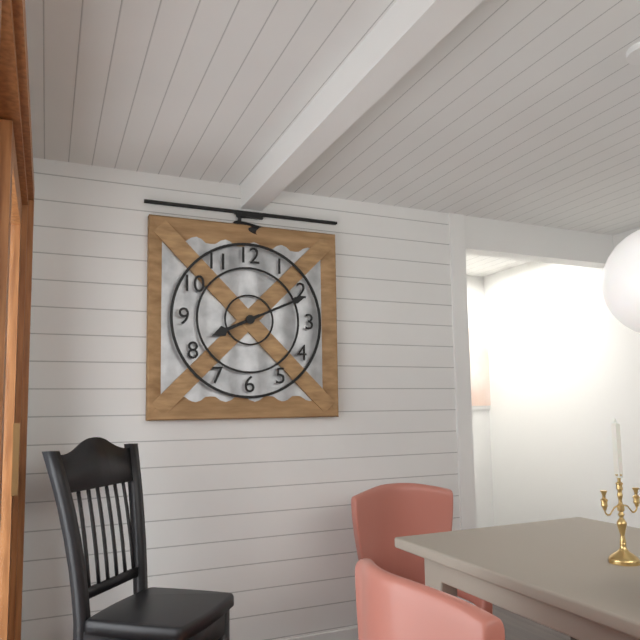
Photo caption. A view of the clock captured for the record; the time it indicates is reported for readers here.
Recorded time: 8:11
